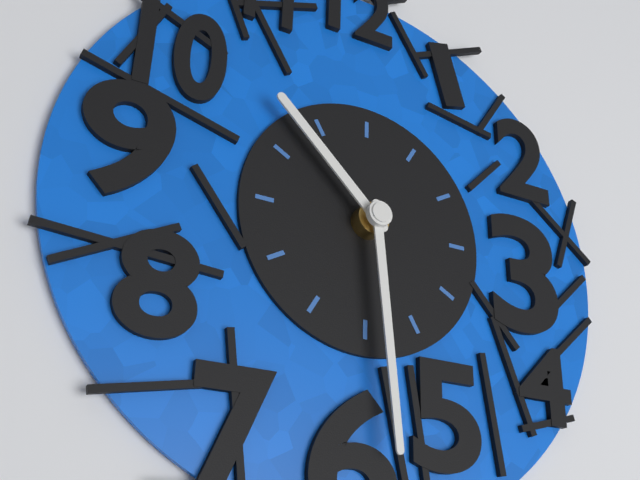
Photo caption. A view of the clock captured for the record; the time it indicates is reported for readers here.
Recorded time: 10:29
